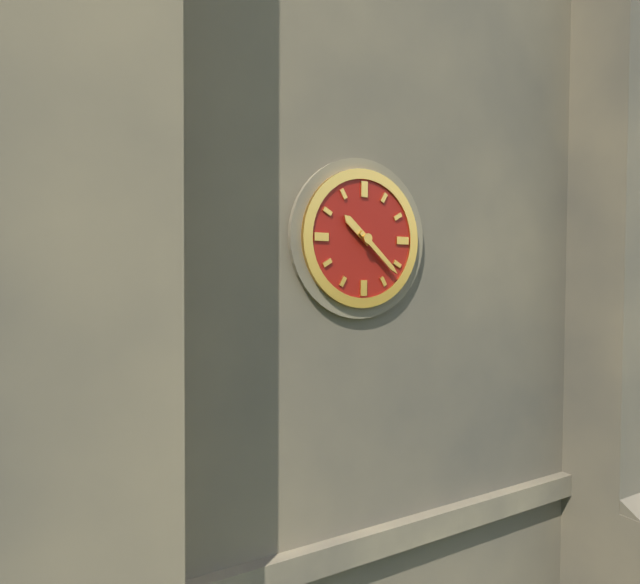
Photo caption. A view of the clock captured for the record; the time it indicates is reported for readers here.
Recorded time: 10:22
